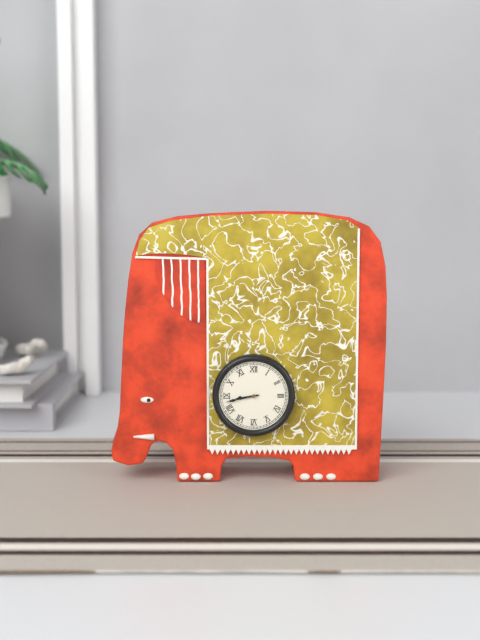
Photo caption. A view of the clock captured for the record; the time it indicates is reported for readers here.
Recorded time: 8:43
